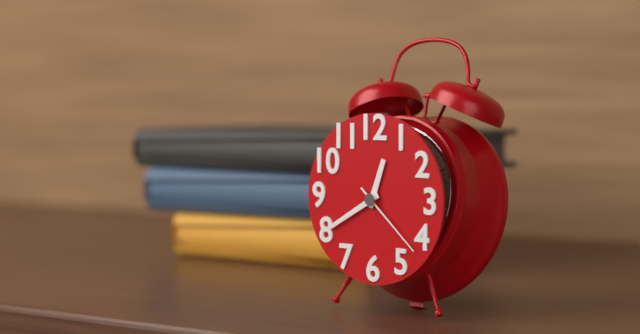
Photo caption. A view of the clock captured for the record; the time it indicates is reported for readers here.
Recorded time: 12:40:22
